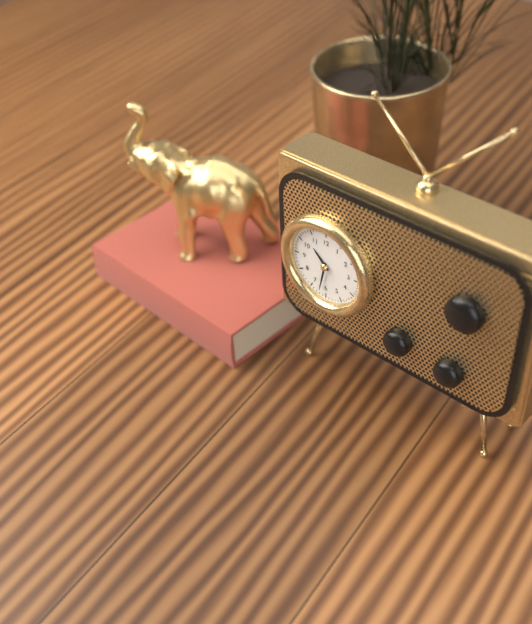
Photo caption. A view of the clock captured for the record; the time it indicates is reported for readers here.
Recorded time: 10:32
